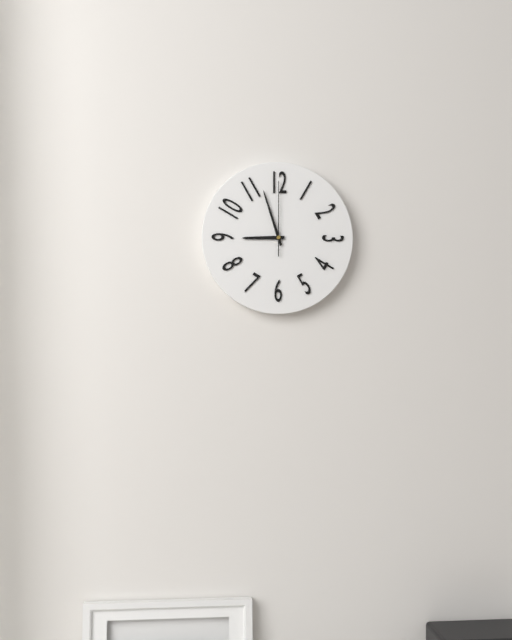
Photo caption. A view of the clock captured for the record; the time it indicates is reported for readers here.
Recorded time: 8:57:00
